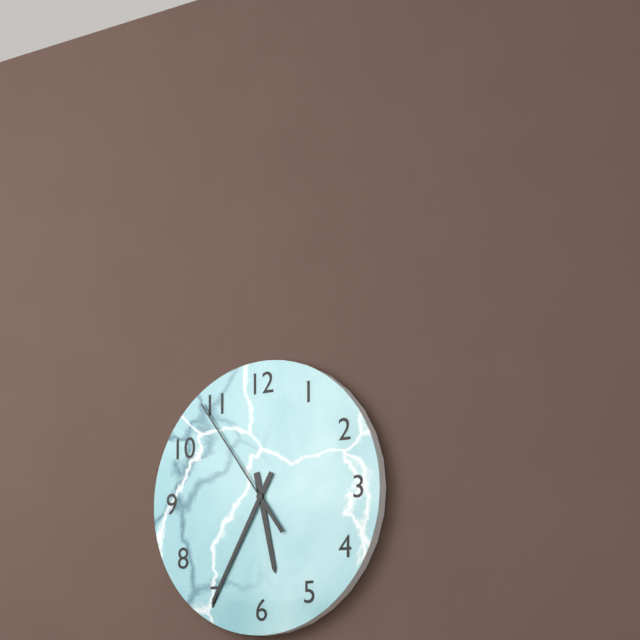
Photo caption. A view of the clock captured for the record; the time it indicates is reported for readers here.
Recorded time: 5:35:54
